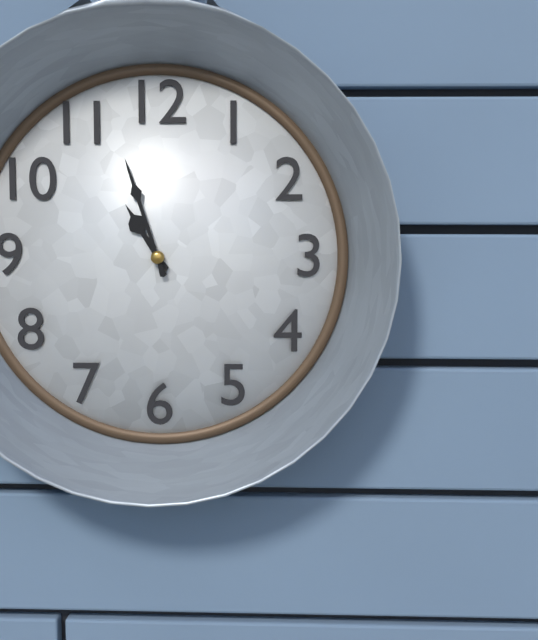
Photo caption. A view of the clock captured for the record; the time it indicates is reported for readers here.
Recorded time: 10:57
